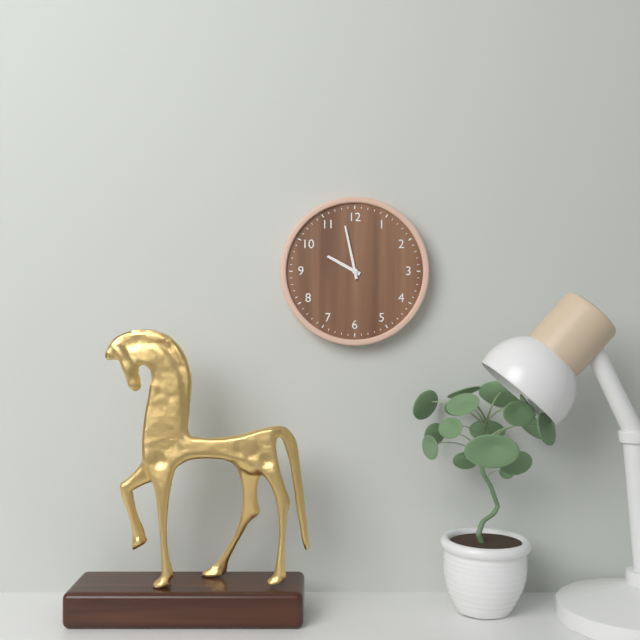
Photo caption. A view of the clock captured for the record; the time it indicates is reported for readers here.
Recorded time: 9:58
